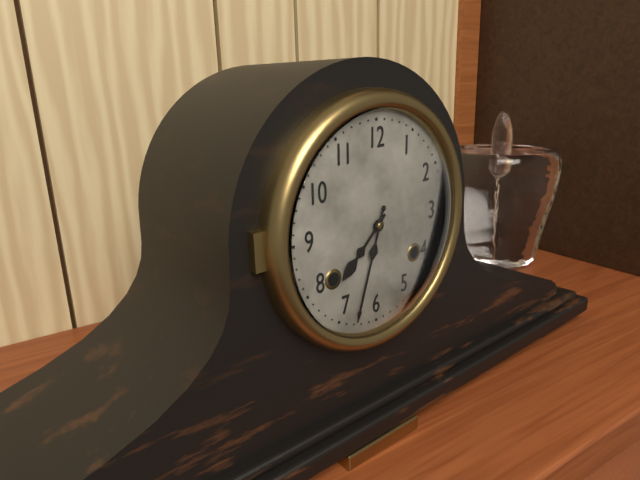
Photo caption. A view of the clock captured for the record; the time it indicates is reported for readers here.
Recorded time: 7:33
